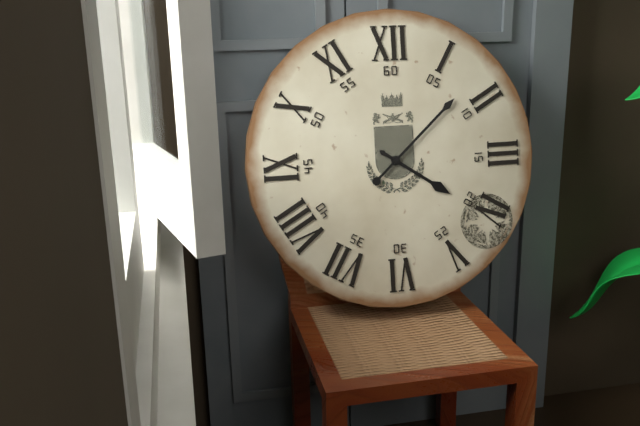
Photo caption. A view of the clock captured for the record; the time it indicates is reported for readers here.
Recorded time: 4:08
